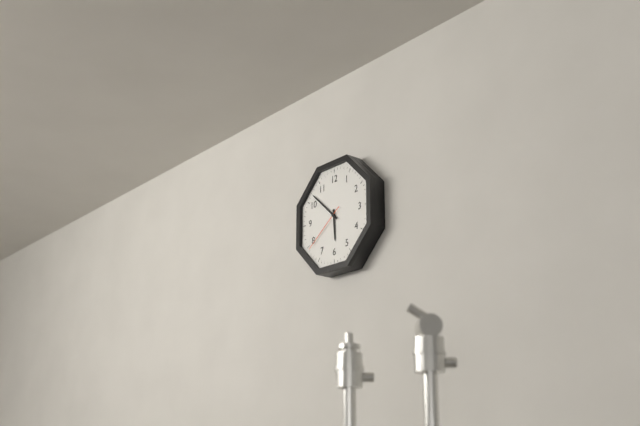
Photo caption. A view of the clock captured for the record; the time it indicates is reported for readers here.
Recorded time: 5:52:39
